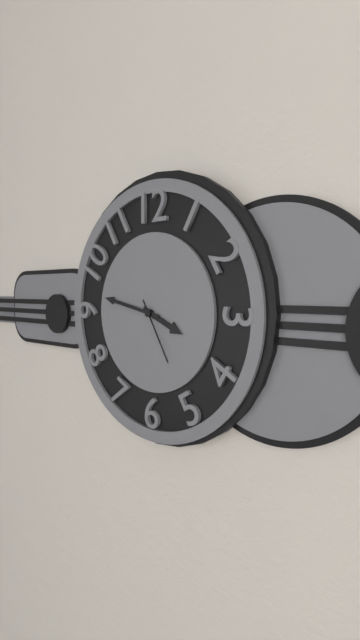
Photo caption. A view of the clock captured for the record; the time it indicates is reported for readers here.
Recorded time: 3:47:25
